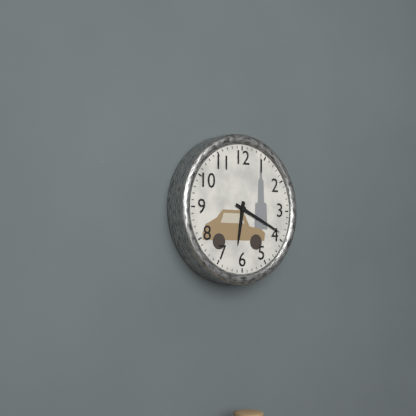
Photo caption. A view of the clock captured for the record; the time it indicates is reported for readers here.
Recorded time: 6:19
